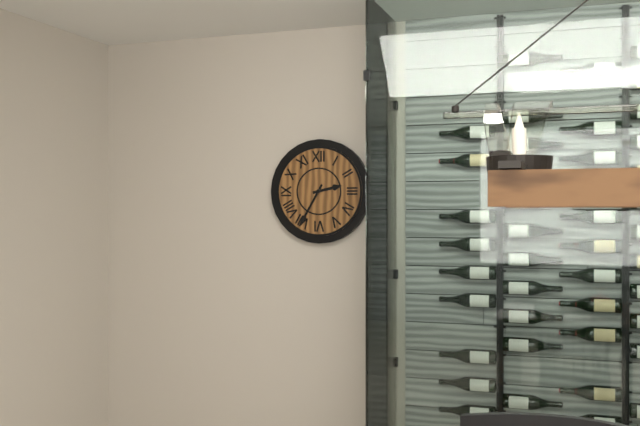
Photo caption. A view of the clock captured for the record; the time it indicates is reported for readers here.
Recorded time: 2:35
